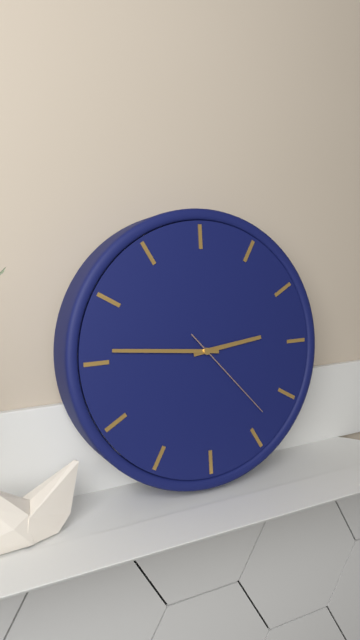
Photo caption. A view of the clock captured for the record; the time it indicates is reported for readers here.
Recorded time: 2:46:23
